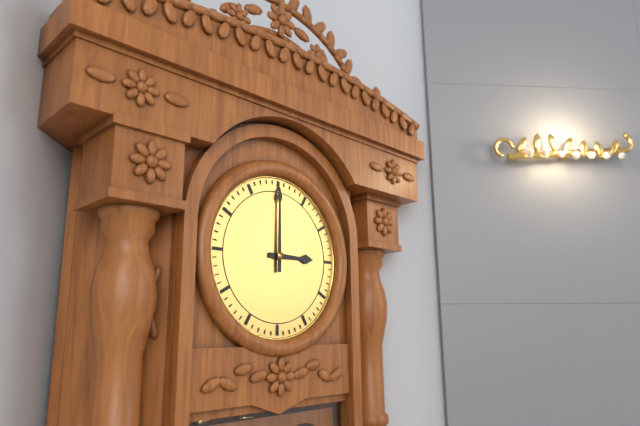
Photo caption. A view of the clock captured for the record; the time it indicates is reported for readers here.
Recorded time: 3:00
